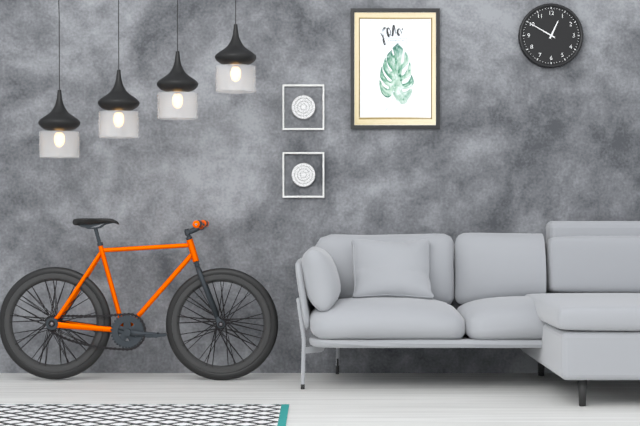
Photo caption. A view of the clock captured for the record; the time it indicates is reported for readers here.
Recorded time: 12:50
